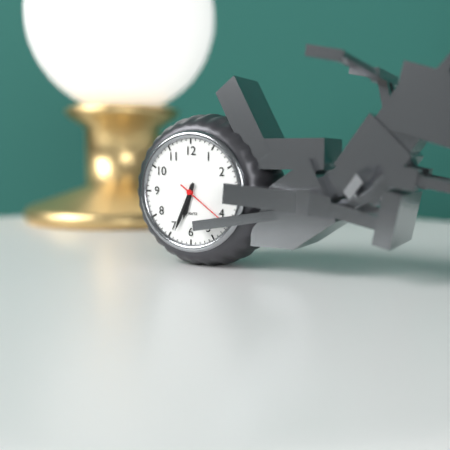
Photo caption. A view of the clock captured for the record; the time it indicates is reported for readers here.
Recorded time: 6:34:21
